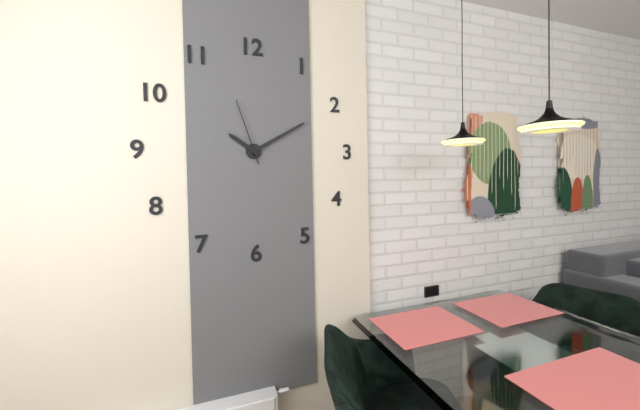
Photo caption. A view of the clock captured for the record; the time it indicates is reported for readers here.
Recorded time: 10:10:57
